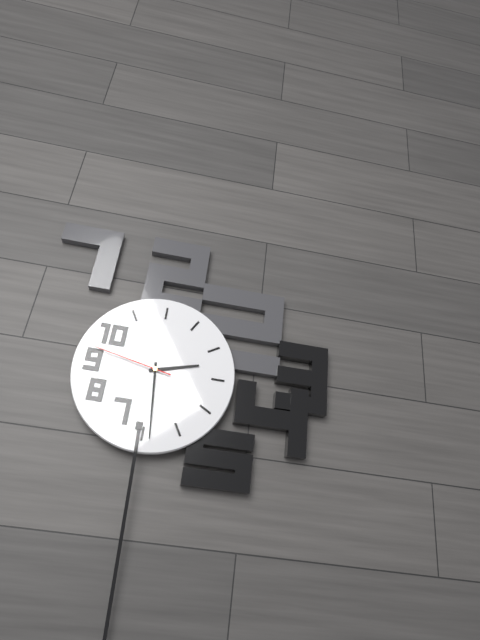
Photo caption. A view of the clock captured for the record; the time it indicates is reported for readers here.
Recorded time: 2:29:47
